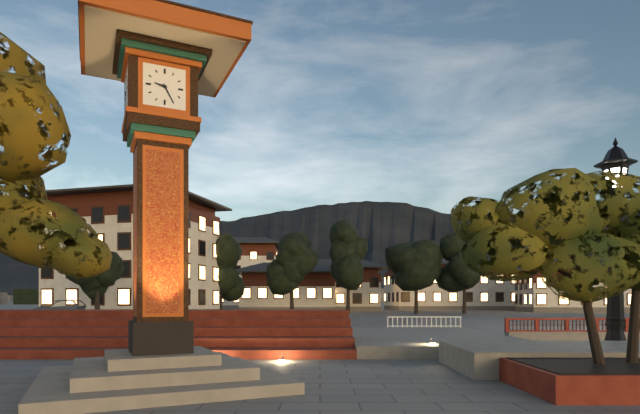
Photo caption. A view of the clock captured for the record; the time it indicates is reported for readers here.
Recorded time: 9:25
